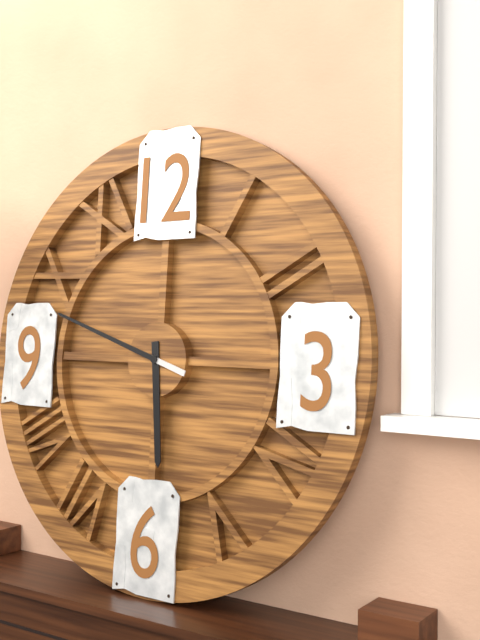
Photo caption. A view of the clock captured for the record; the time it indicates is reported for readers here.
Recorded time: 5:48
